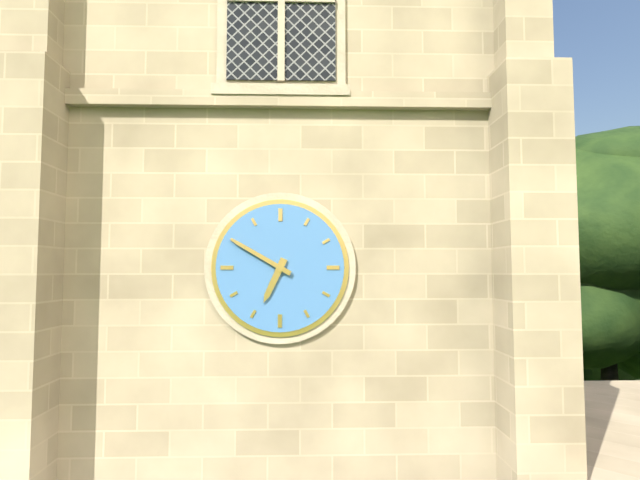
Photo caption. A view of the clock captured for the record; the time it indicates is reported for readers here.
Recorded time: 6:50
